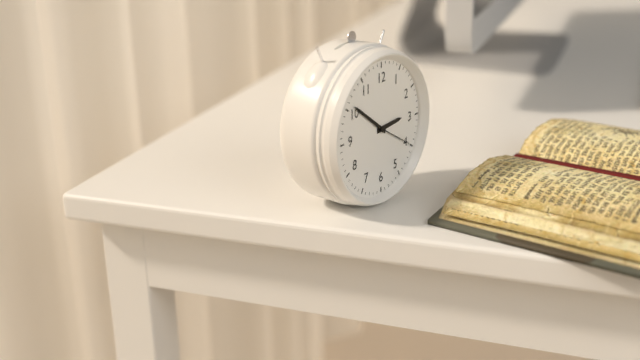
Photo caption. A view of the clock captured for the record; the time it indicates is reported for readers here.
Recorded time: 2:51
